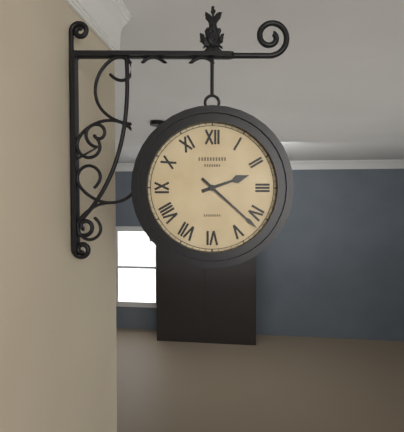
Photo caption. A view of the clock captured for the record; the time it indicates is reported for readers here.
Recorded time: 2:22
